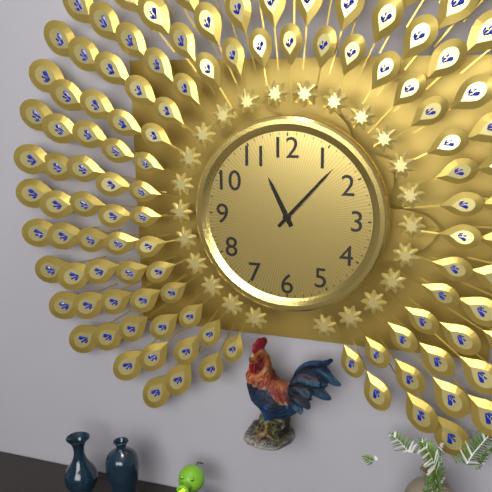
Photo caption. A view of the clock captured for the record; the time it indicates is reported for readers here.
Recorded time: 11:07
